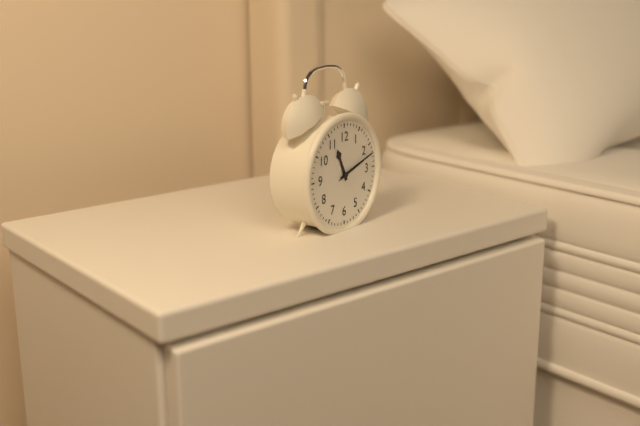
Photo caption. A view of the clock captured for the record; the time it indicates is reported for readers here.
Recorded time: 11:12
